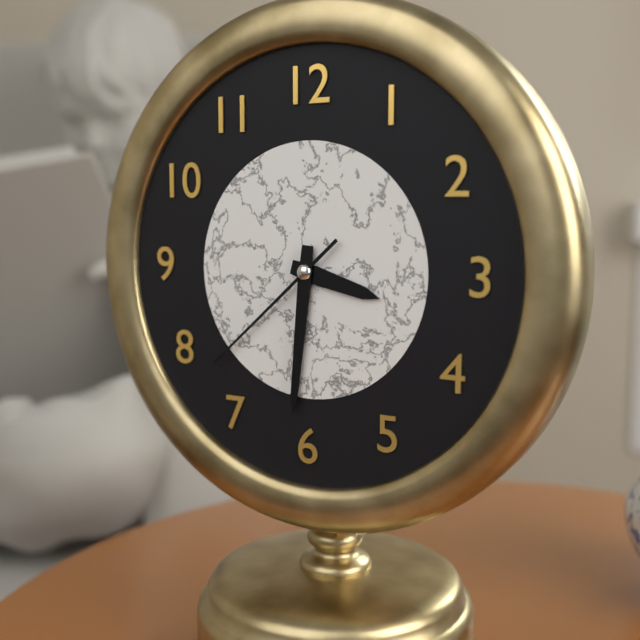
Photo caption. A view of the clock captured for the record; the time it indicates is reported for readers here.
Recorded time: 3:31:38
